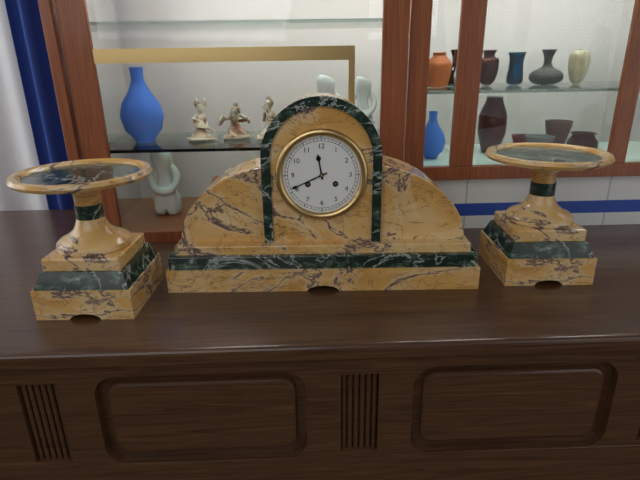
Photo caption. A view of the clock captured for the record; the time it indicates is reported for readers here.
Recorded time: 11:41
